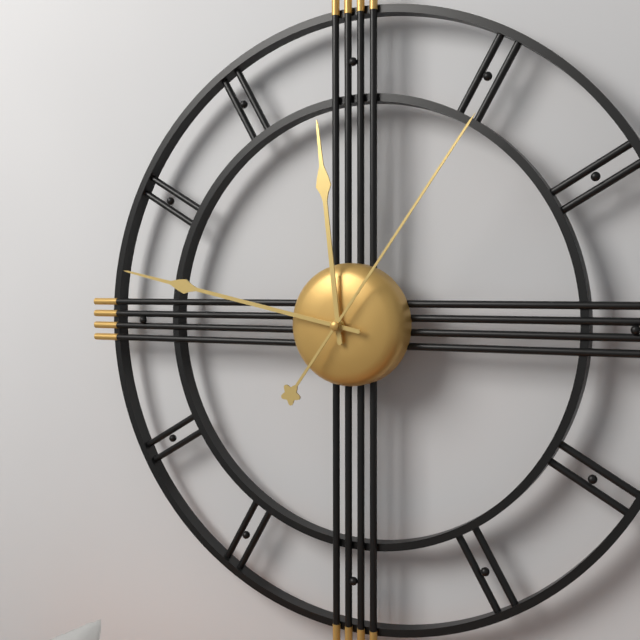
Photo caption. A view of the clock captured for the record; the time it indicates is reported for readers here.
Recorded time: 11:47:06
